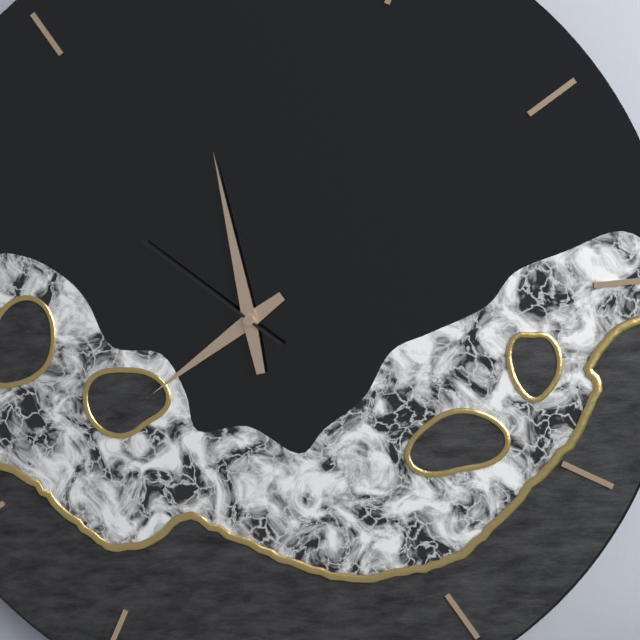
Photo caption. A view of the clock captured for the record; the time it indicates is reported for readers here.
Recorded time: 7:59:52
